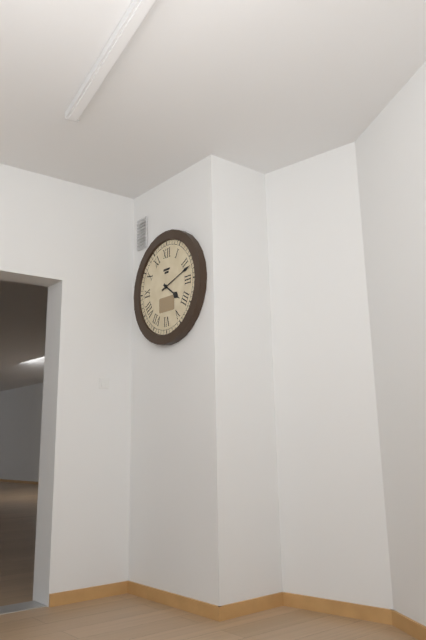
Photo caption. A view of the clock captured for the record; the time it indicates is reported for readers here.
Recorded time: 4:12
